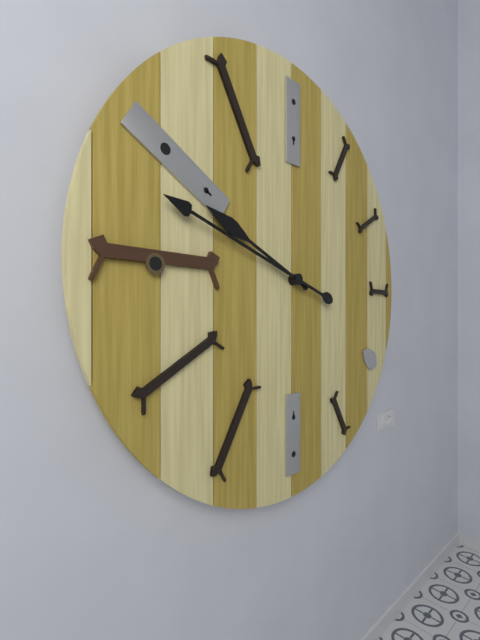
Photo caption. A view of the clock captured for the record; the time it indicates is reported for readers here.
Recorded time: 9:48
